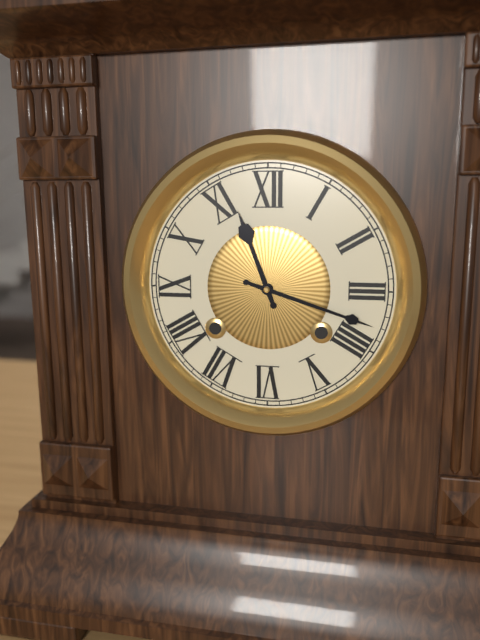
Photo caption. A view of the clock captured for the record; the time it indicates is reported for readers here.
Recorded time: 11:18
